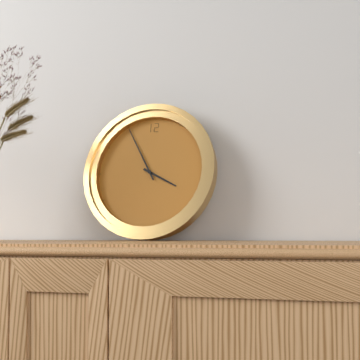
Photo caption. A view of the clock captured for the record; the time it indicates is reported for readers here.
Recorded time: 3:55
